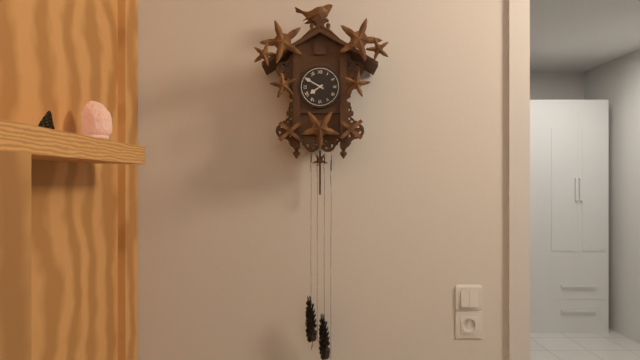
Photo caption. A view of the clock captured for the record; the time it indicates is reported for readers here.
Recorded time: 7:50
